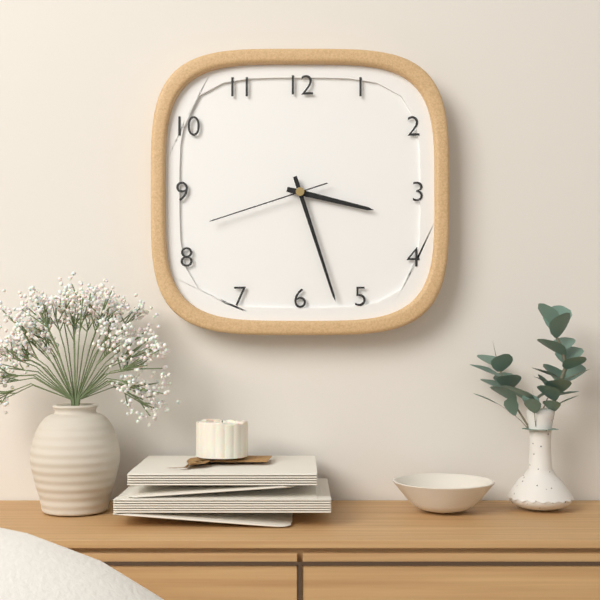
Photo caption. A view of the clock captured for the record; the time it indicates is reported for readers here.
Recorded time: 3:27:42
